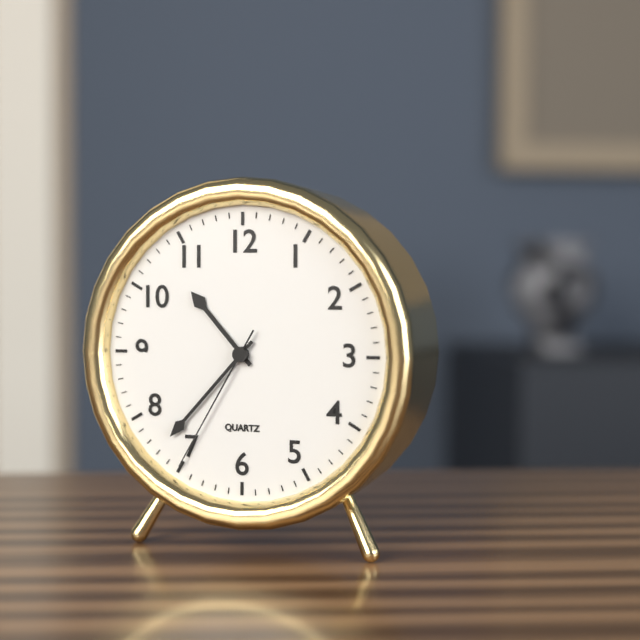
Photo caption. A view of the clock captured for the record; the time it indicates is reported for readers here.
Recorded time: 10:37:35
